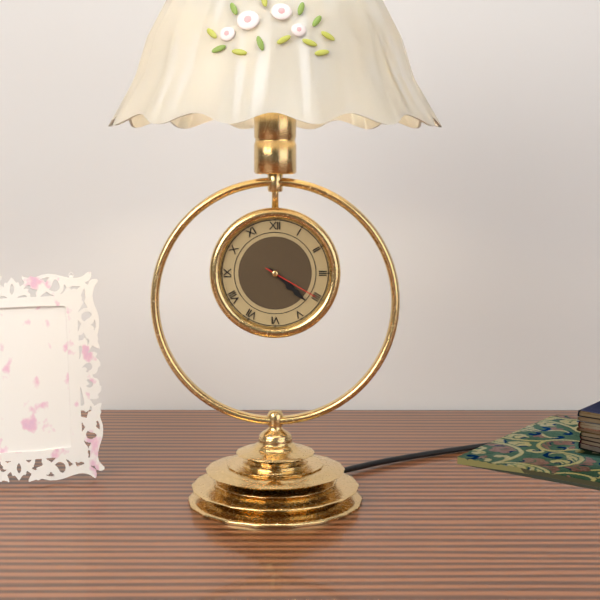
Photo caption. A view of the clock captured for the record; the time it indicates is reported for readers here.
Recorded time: 4:22:20
